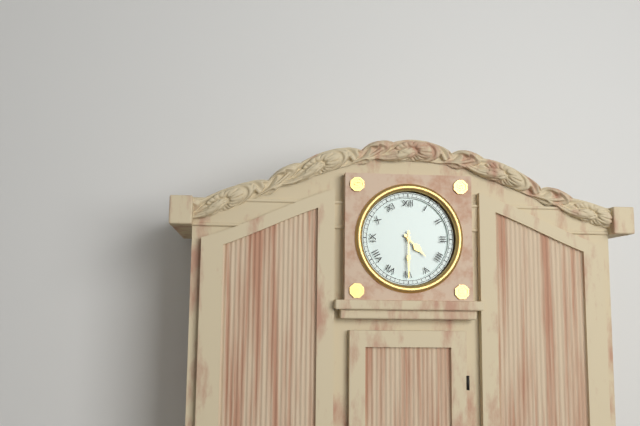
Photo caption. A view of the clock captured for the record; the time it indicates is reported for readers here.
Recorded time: 4:30
